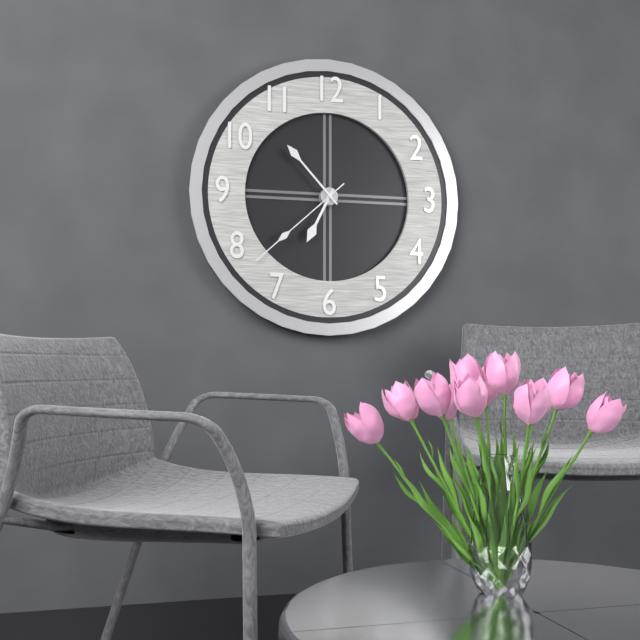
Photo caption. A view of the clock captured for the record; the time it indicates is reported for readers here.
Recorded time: 6:53:38
